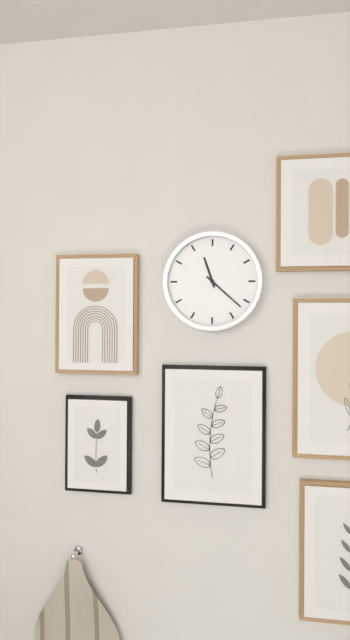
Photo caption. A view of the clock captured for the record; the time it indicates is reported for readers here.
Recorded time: 11:22
